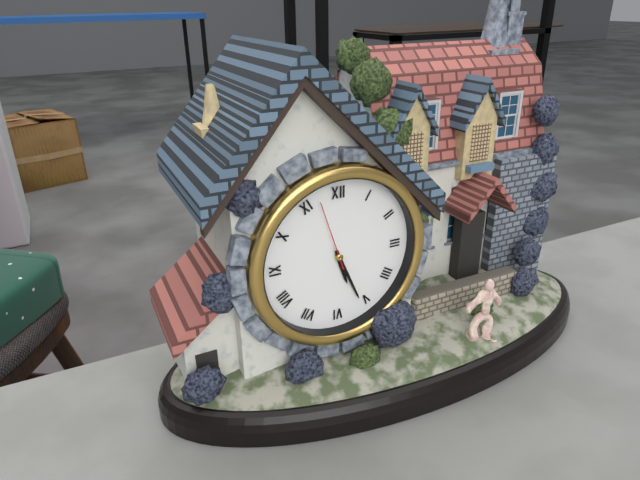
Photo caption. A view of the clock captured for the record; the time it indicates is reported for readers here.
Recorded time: 5:26:57
